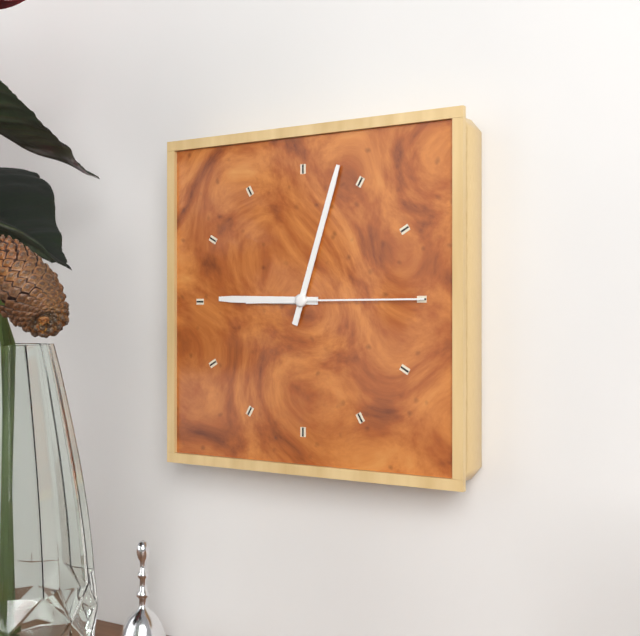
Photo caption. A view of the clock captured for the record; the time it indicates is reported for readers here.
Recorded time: 9:03:15
